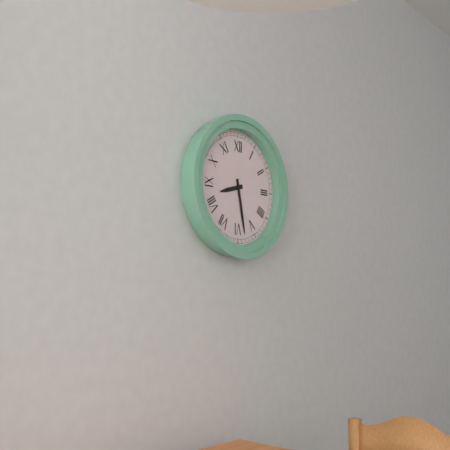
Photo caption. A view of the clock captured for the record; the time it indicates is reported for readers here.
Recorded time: 8:28
